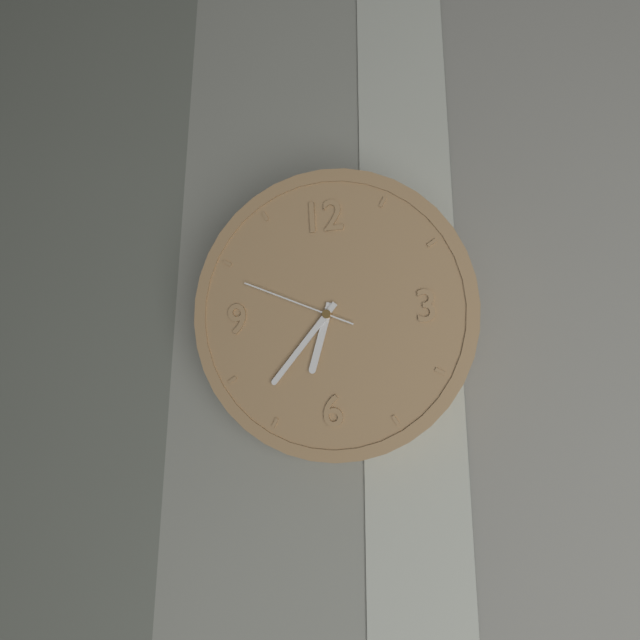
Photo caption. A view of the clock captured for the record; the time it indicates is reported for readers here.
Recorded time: 6:37:49
